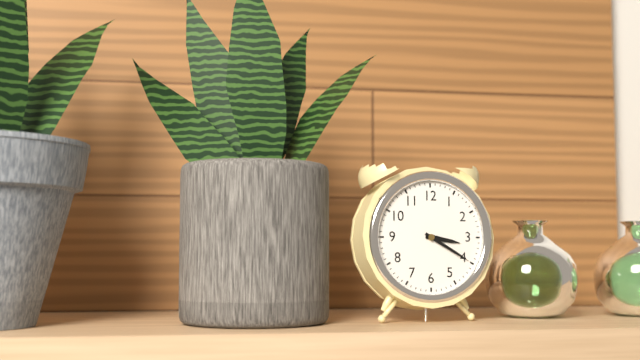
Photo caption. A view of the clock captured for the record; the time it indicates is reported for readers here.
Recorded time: 3:20
